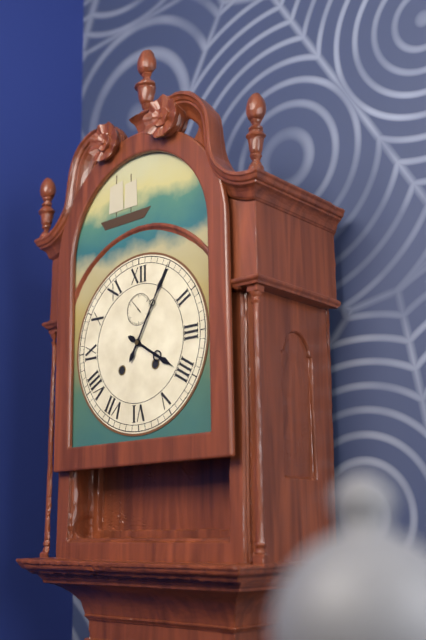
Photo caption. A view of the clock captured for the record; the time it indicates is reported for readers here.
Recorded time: 4:05
